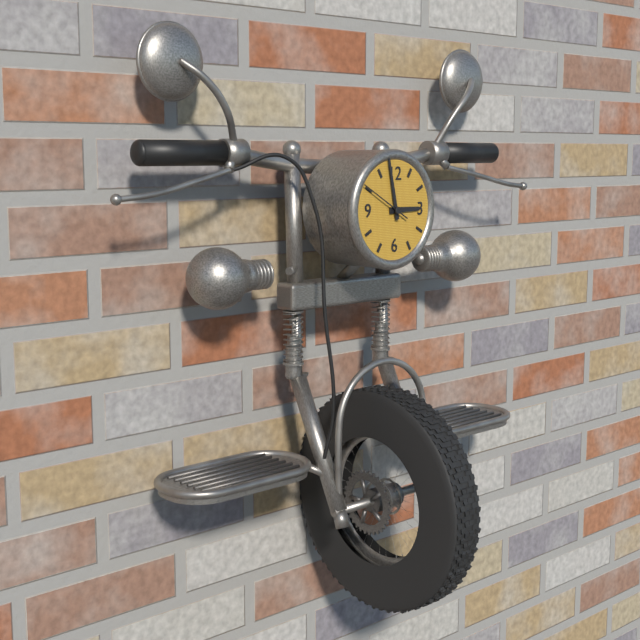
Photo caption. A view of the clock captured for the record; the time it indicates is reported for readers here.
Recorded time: 2:58:50
